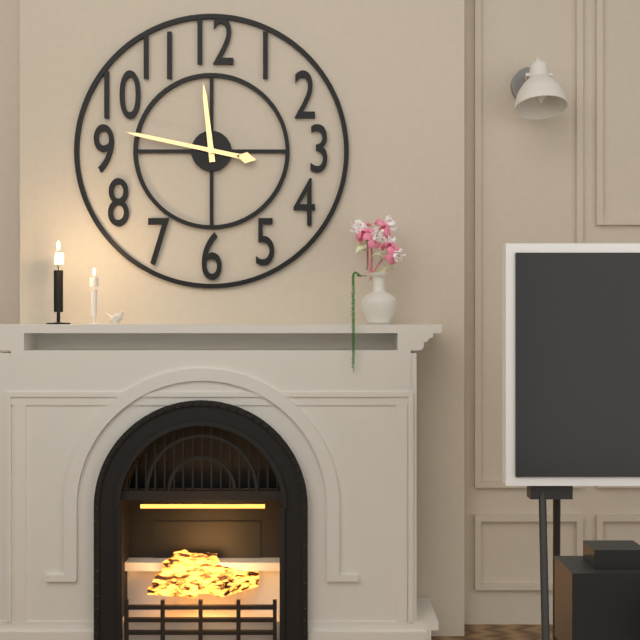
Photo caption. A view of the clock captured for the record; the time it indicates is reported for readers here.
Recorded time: 11:47
